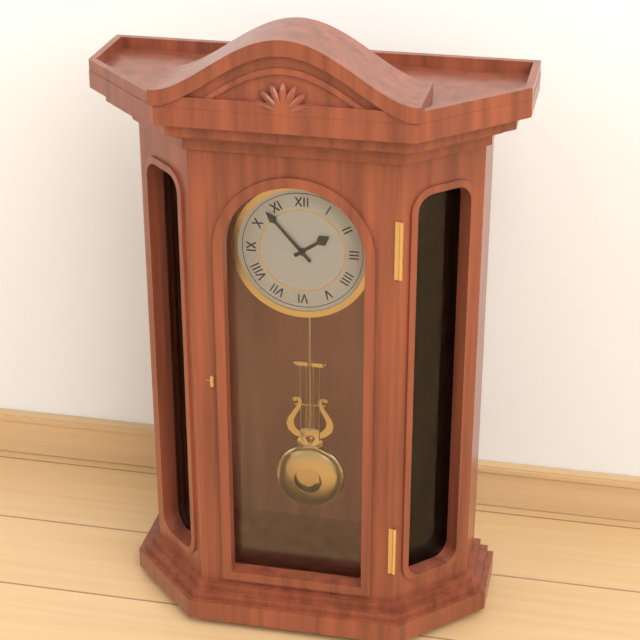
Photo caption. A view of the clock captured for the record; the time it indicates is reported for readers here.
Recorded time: 1:53
